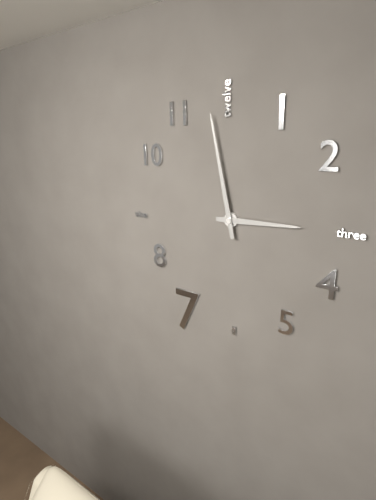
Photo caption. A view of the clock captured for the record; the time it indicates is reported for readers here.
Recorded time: 2:58
